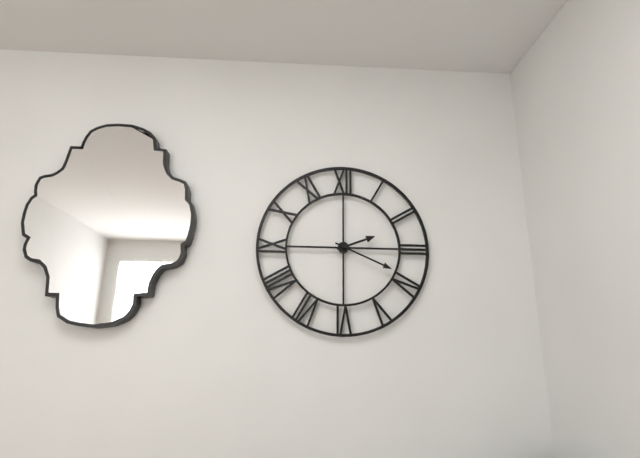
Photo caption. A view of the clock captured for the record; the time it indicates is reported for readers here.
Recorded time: 2:19
